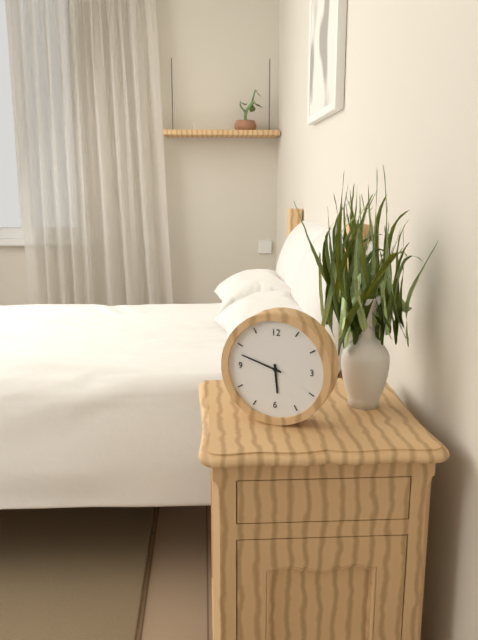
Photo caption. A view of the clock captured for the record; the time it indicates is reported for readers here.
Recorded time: 5:48
